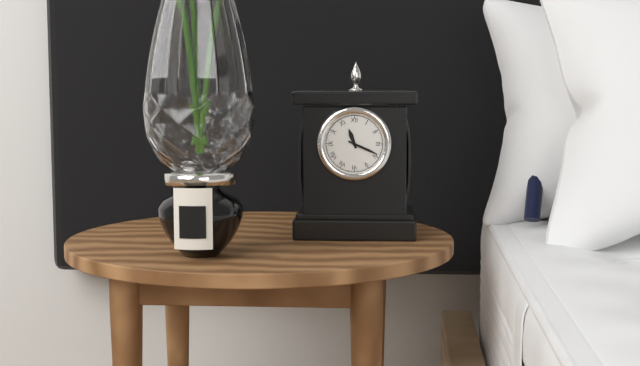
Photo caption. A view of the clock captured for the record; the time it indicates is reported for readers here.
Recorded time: 11:19
